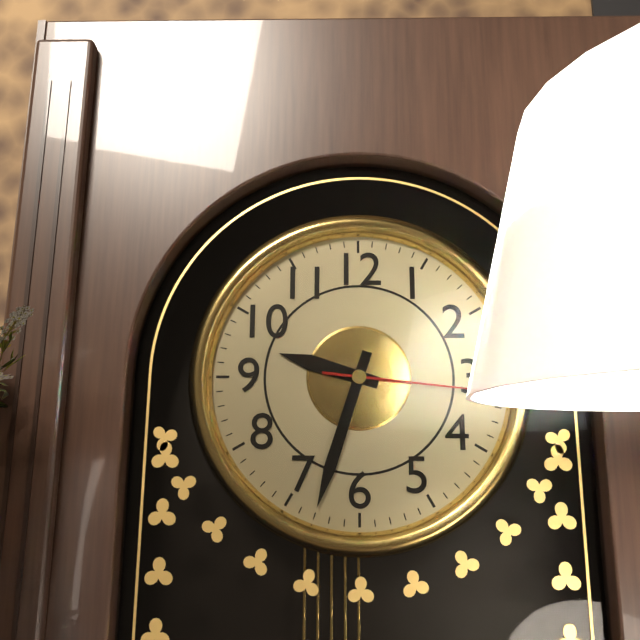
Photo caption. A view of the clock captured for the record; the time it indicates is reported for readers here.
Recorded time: 9:33:16
